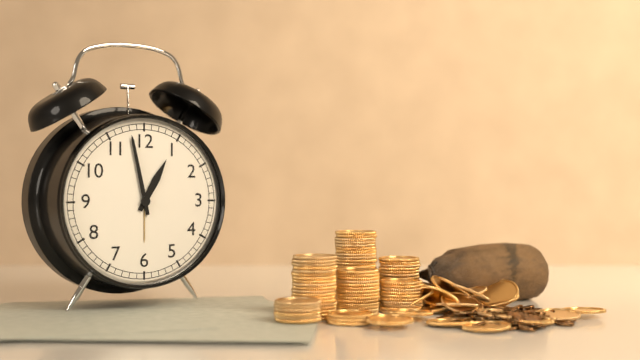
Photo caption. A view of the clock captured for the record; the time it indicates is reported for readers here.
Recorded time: 12:58
